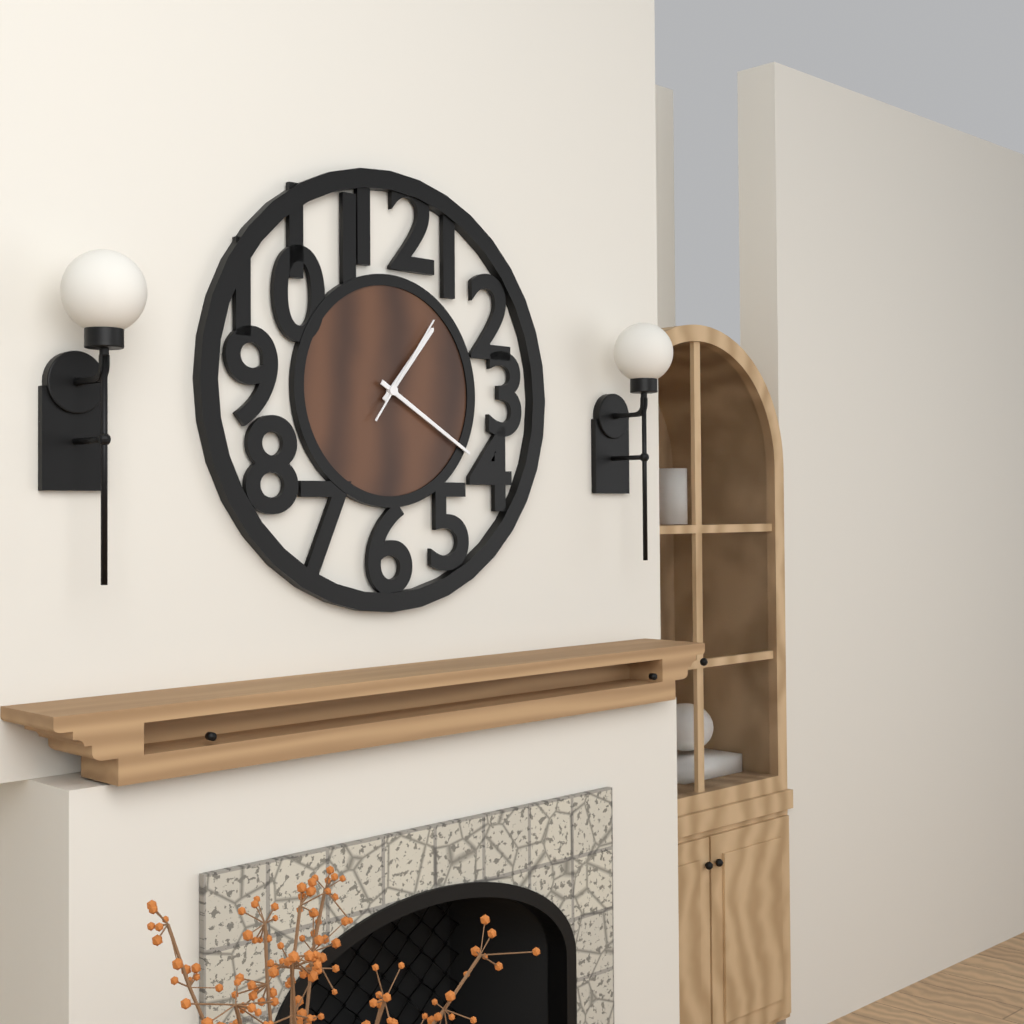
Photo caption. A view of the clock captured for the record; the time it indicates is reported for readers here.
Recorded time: 1:20:06
